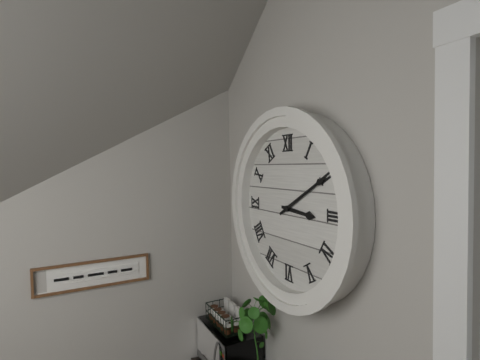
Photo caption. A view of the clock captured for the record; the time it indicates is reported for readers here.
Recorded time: 3:10
